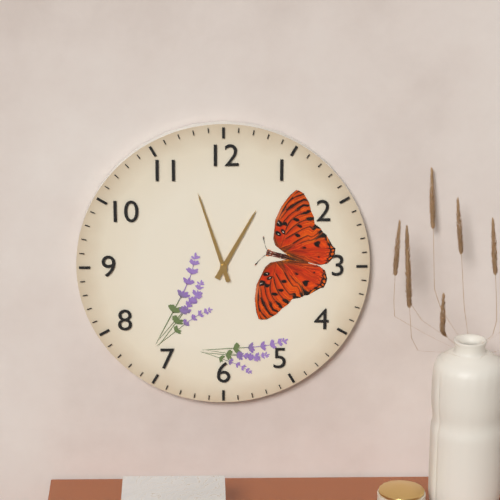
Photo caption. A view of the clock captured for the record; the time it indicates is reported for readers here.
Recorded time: 12:57
